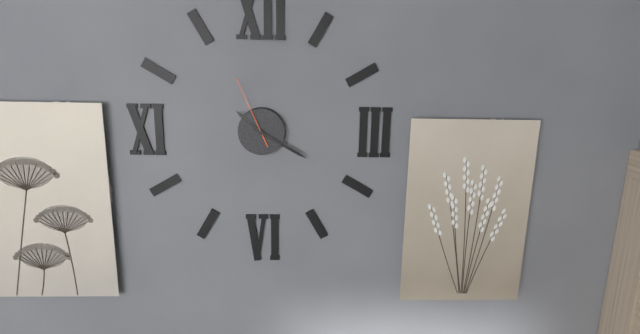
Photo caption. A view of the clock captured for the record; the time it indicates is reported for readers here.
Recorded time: 10:20:56
